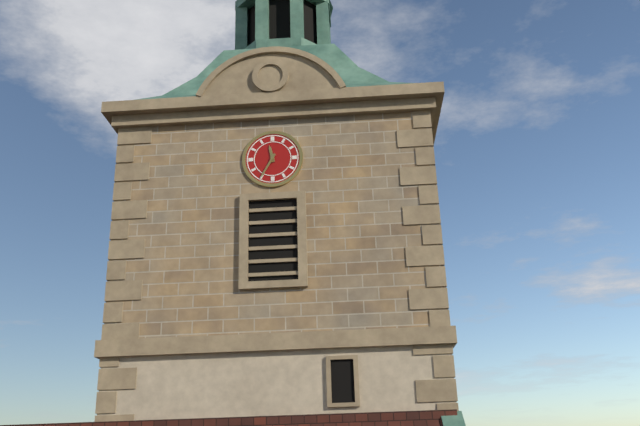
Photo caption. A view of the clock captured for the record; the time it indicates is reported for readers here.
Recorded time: 11:35
